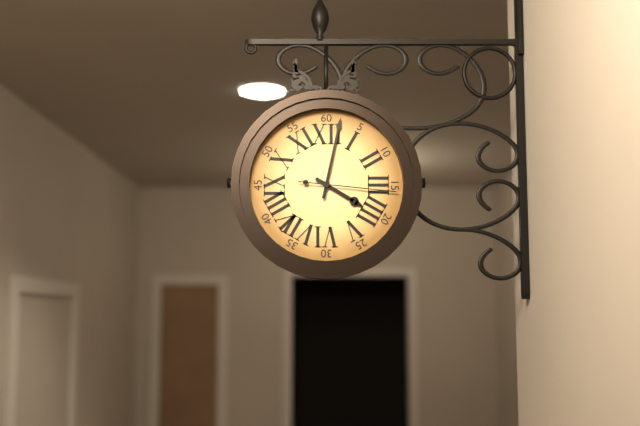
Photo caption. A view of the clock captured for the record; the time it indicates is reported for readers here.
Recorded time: 4:02:16
